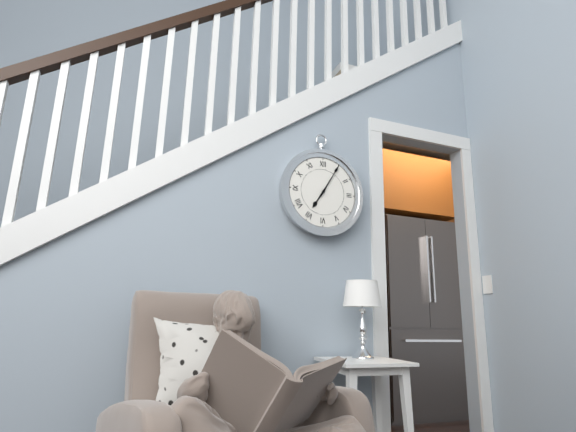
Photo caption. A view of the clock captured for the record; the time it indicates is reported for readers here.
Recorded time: 7:05
